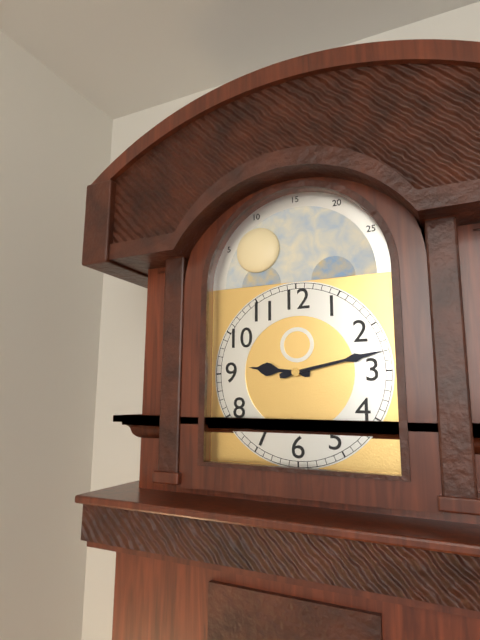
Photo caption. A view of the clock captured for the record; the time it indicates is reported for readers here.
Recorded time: 9:13
